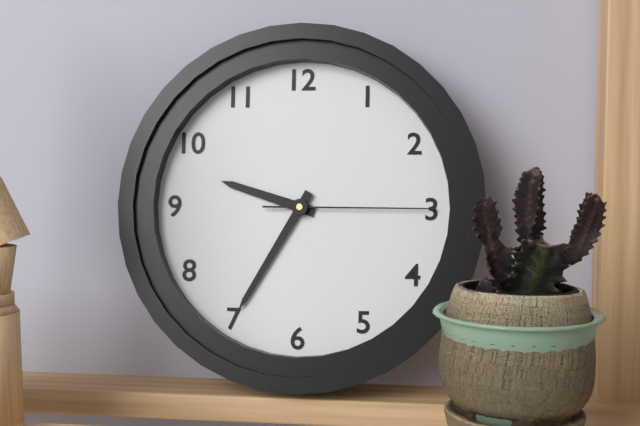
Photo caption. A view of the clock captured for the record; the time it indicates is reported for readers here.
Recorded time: 9:35:15
